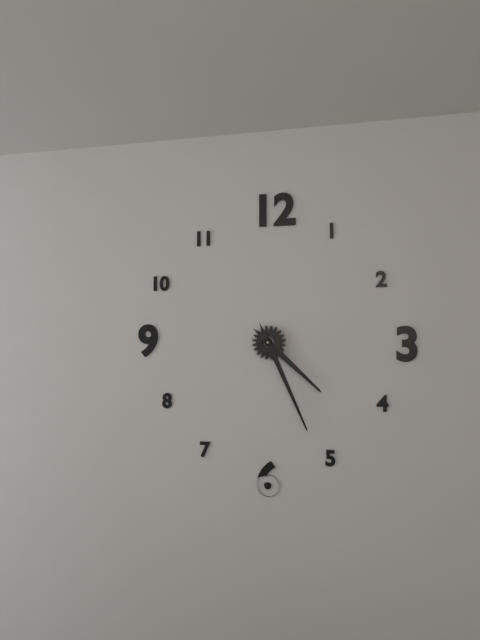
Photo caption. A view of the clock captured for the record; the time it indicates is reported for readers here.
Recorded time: 4:26
